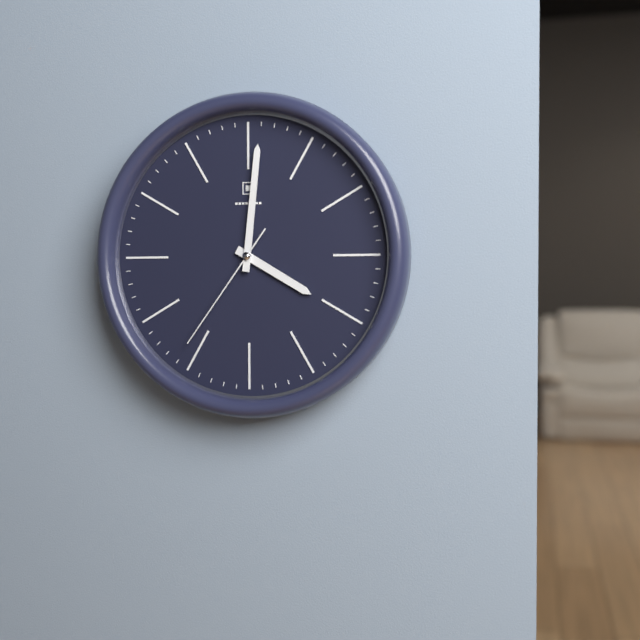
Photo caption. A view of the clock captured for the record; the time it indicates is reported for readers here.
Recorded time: 4:01:36
